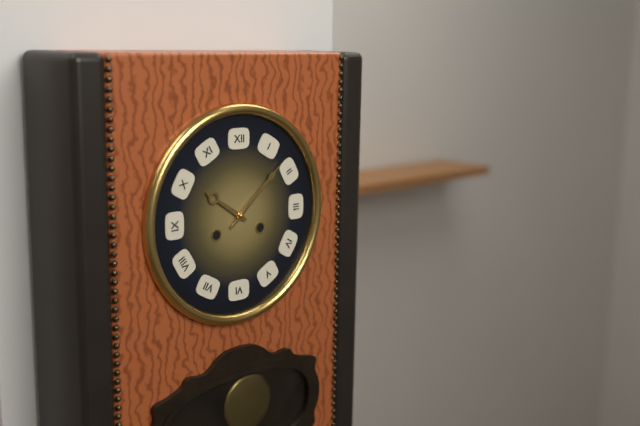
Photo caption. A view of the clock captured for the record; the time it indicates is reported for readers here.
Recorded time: 10:08
